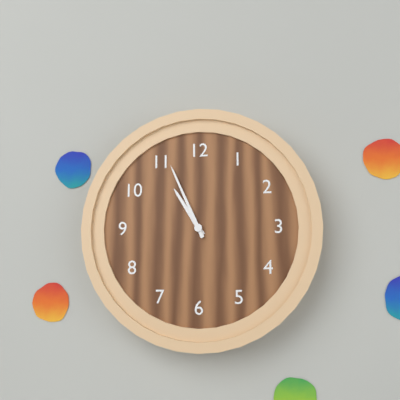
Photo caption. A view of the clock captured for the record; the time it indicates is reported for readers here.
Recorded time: 10:56
